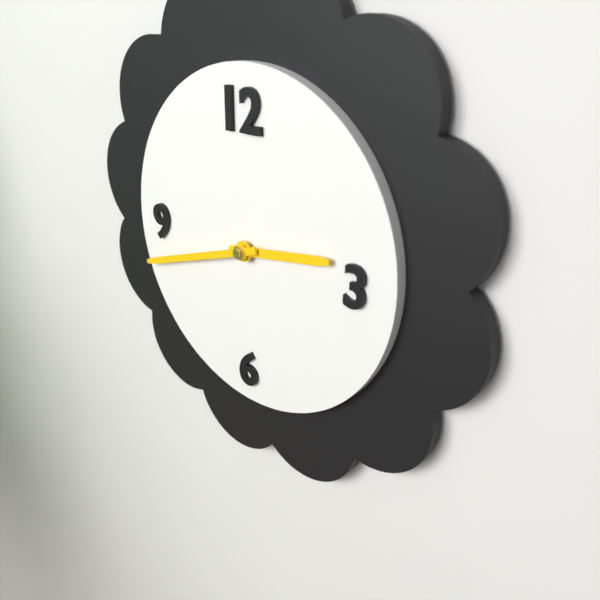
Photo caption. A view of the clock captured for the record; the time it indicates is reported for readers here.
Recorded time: 2:42
